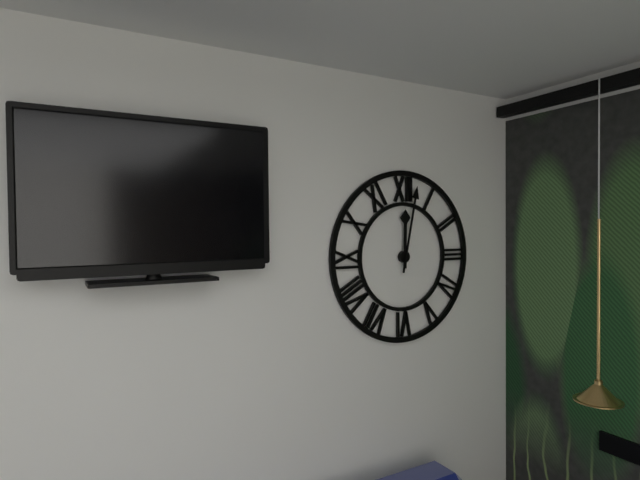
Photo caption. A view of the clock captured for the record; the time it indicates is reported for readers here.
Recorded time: 12:02
